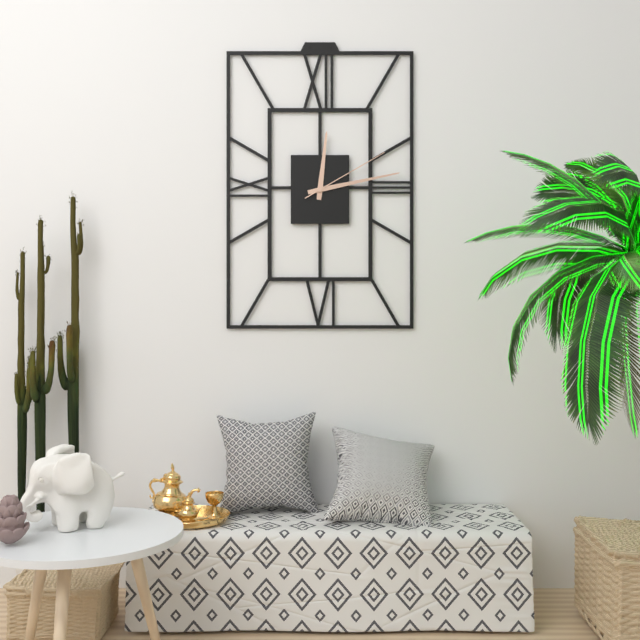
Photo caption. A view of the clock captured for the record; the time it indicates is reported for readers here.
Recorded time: 12:13:10
